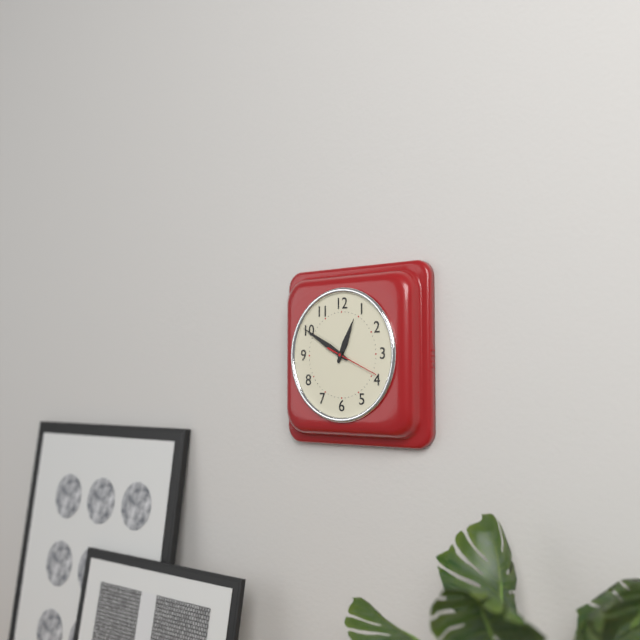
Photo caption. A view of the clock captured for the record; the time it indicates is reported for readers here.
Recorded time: 12:50:19
